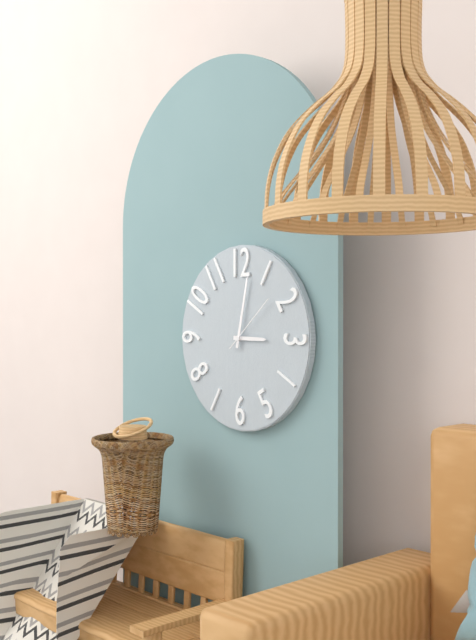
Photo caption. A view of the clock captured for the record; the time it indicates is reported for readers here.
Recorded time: 3:02:08
